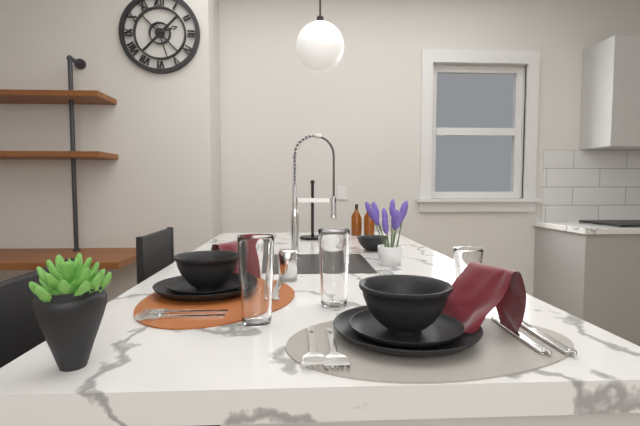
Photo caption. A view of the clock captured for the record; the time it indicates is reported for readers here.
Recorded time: 2:27
